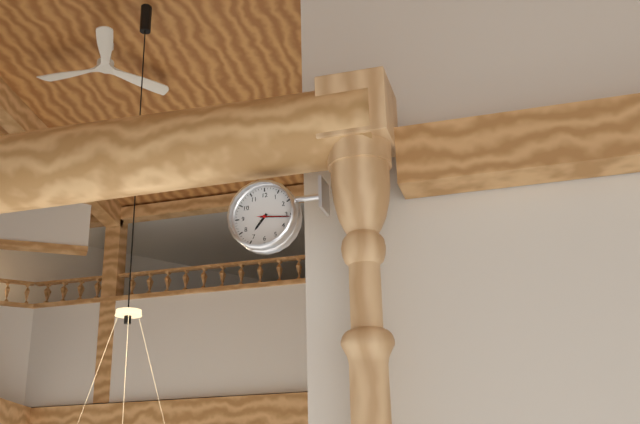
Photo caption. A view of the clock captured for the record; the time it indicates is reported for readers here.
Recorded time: 7:16
